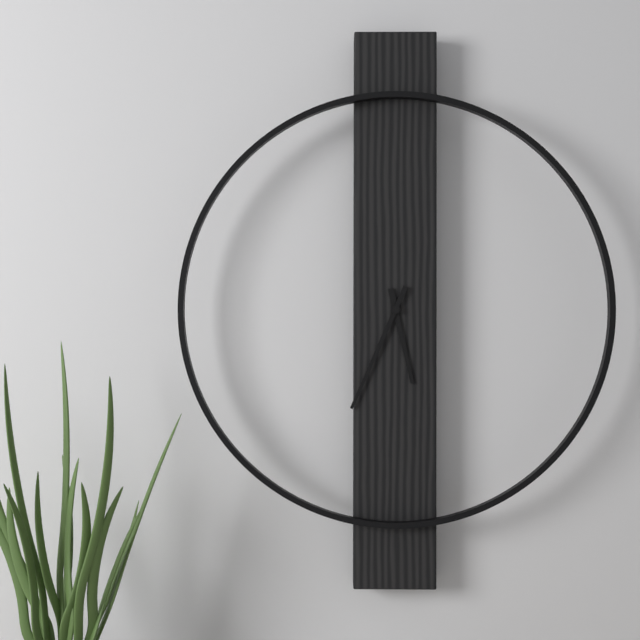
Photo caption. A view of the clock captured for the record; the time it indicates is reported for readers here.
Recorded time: 5:34
